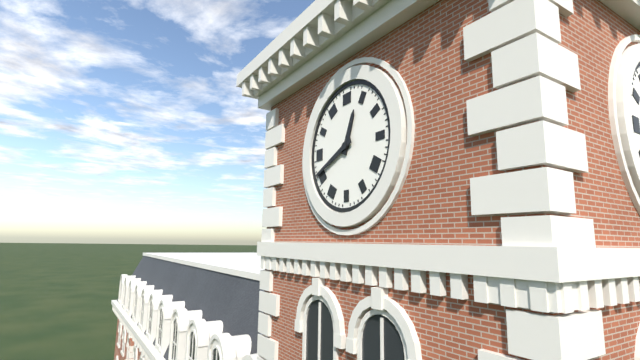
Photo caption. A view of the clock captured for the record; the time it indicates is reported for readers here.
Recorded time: 12:41
